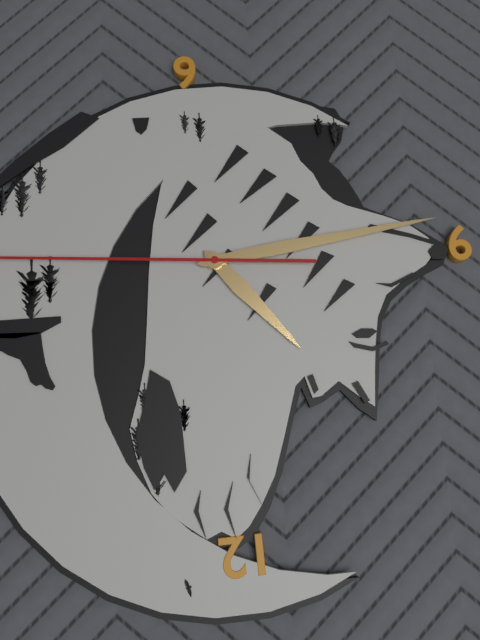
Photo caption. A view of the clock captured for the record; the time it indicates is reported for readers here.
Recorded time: 10:44
